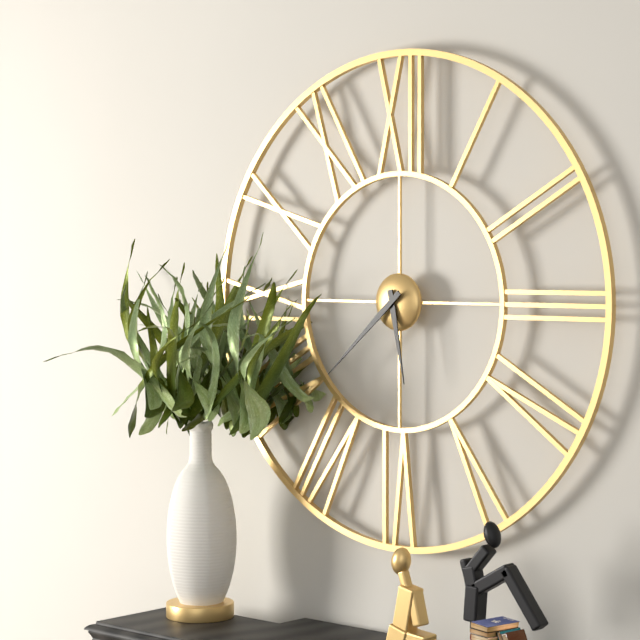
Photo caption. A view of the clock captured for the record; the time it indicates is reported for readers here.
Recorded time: 5:38
